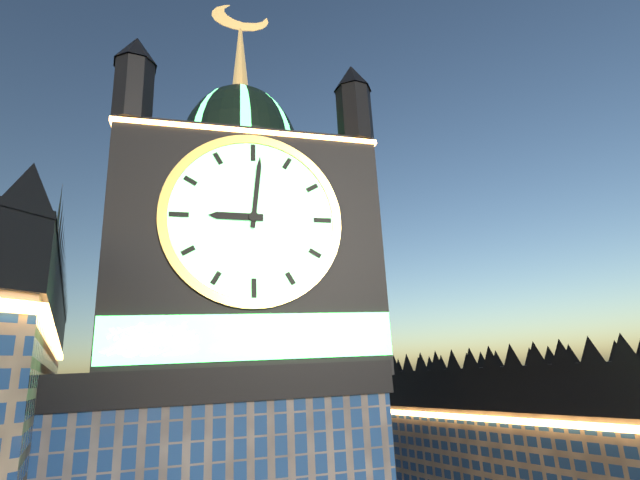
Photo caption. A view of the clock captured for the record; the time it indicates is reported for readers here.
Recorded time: 9:01
